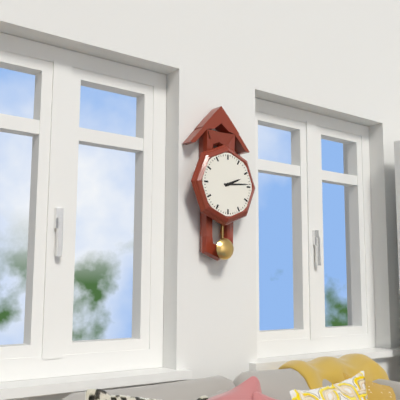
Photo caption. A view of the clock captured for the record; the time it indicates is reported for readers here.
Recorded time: 2:14
